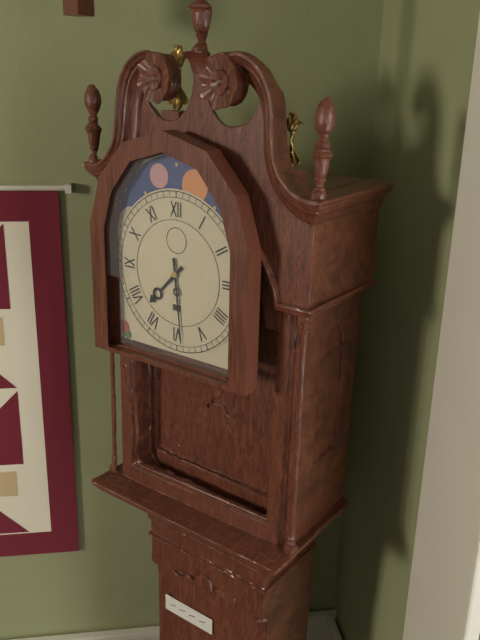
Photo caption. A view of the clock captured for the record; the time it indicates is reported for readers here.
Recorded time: 7:29
